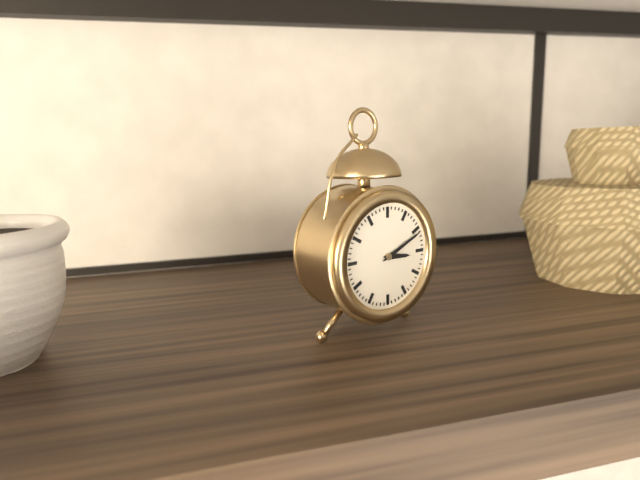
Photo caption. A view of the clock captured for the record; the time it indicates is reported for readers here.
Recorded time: 3:11
